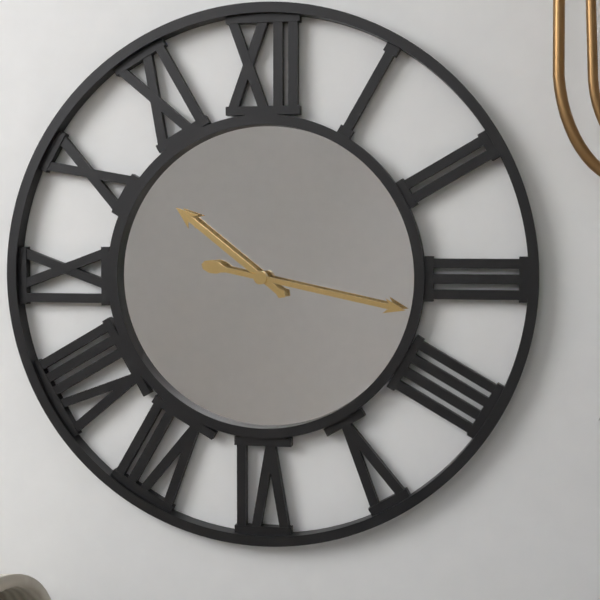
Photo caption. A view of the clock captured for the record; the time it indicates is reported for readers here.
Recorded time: 10:17
